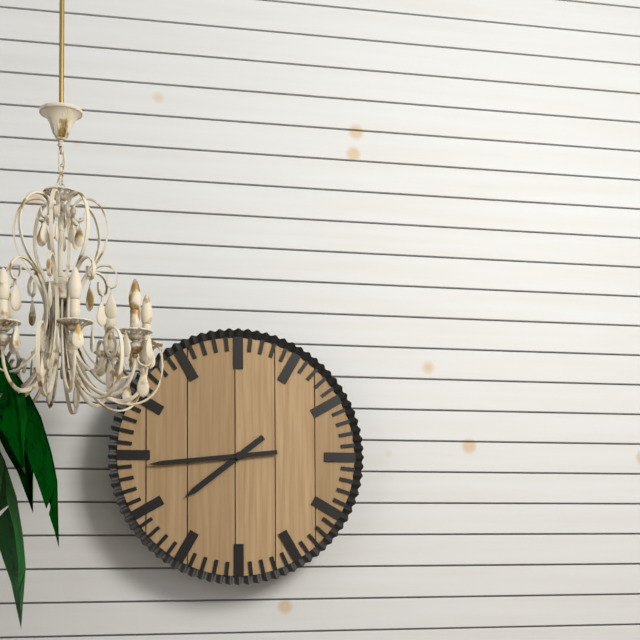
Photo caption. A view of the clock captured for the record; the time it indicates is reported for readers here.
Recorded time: 7:44
